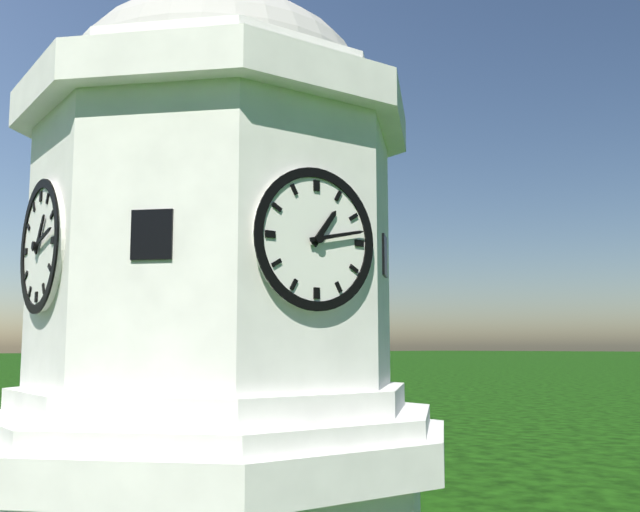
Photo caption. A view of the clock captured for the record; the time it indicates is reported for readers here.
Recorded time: 1:13
